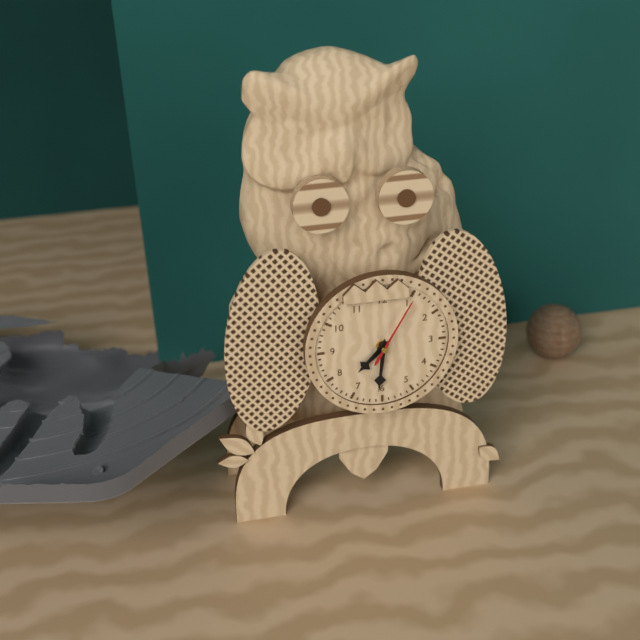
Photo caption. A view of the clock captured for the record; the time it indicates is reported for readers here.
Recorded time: 7:31:05
